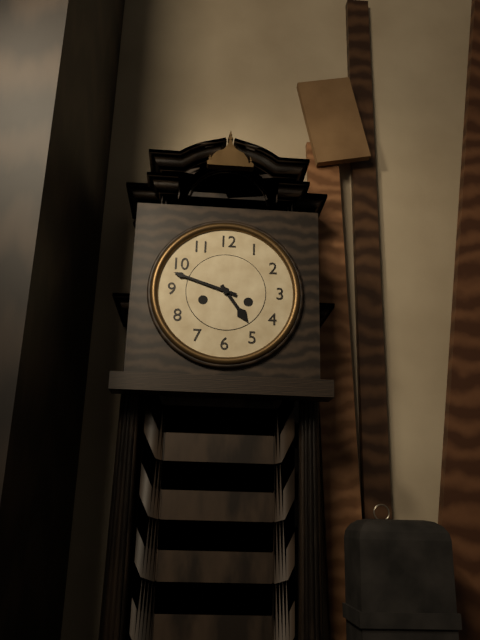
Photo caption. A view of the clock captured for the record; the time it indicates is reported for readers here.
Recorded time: 4:48
